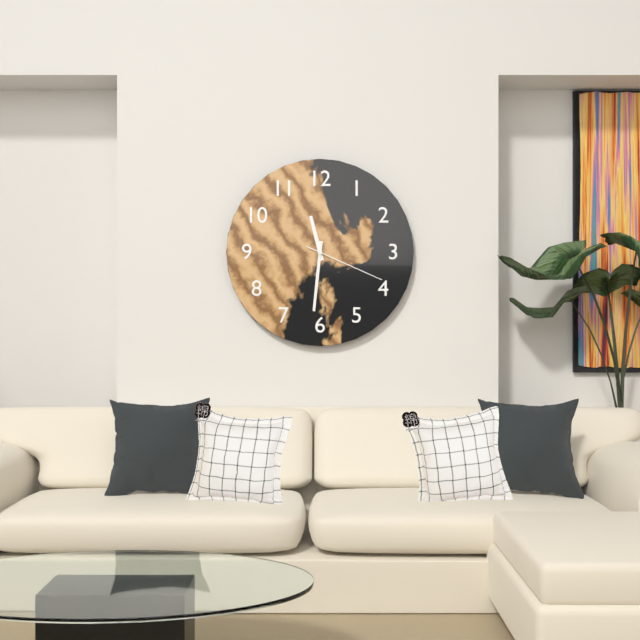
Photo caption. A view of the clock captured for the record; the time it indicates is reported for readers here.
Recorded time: 11:31:19
